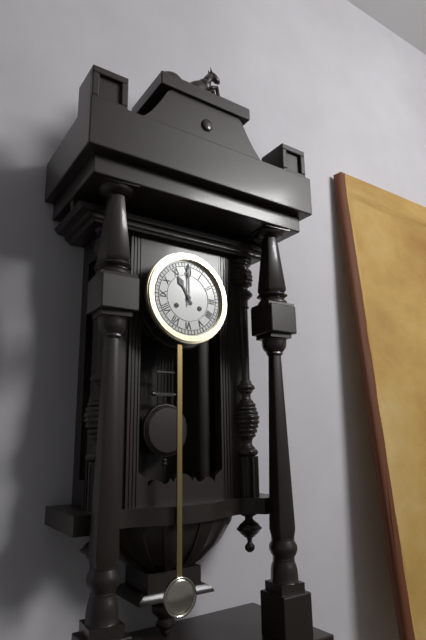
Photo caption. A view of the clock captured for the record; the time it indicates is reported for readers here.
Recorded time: 11:00
